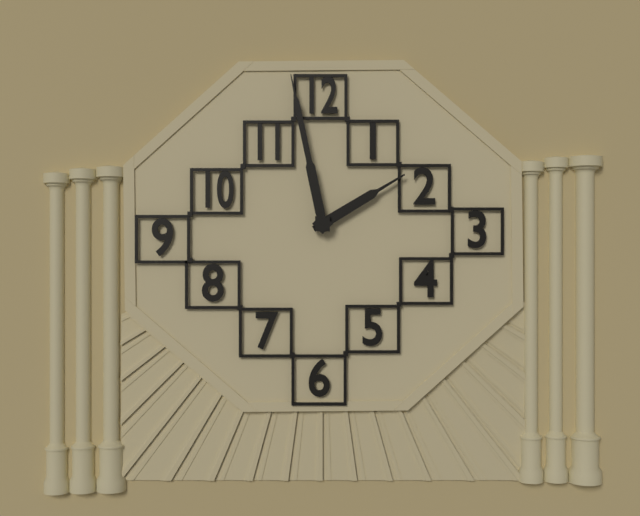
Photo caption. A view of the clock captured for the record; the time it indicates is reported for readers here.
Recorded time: 1:58
